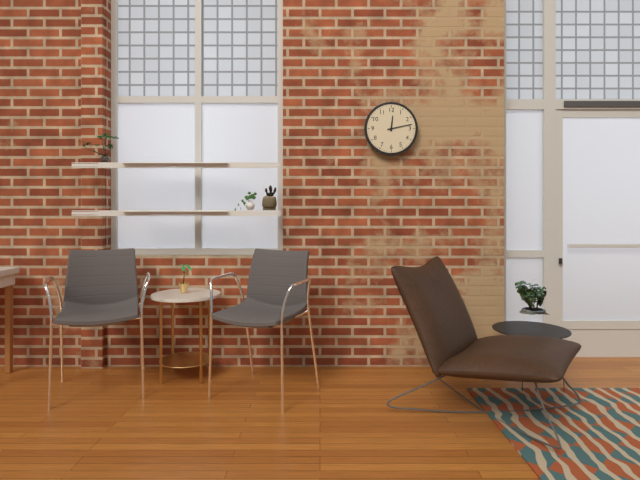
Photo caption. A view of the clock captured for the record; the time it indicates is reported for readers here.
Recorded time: 12:13
